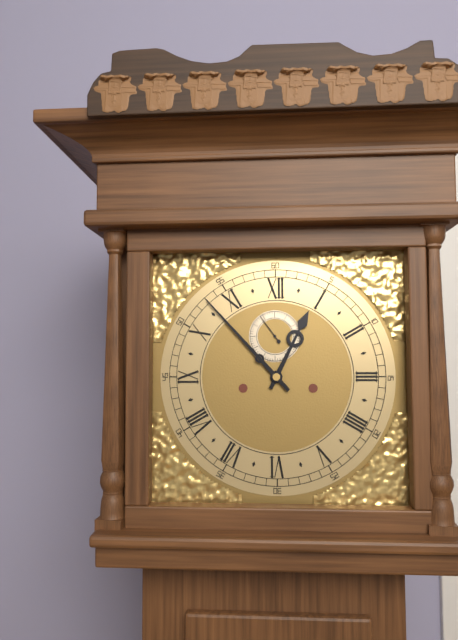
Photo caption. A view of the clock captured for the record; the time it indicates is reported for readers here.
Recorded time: 12:53
